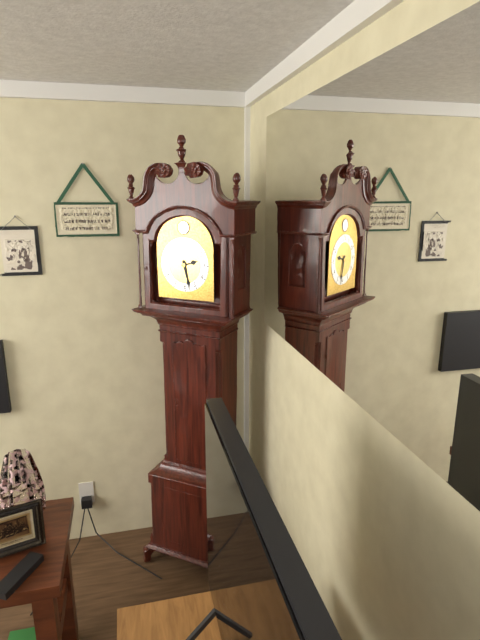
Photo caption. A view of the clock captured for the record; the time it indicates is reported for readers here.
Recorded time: 2:28
